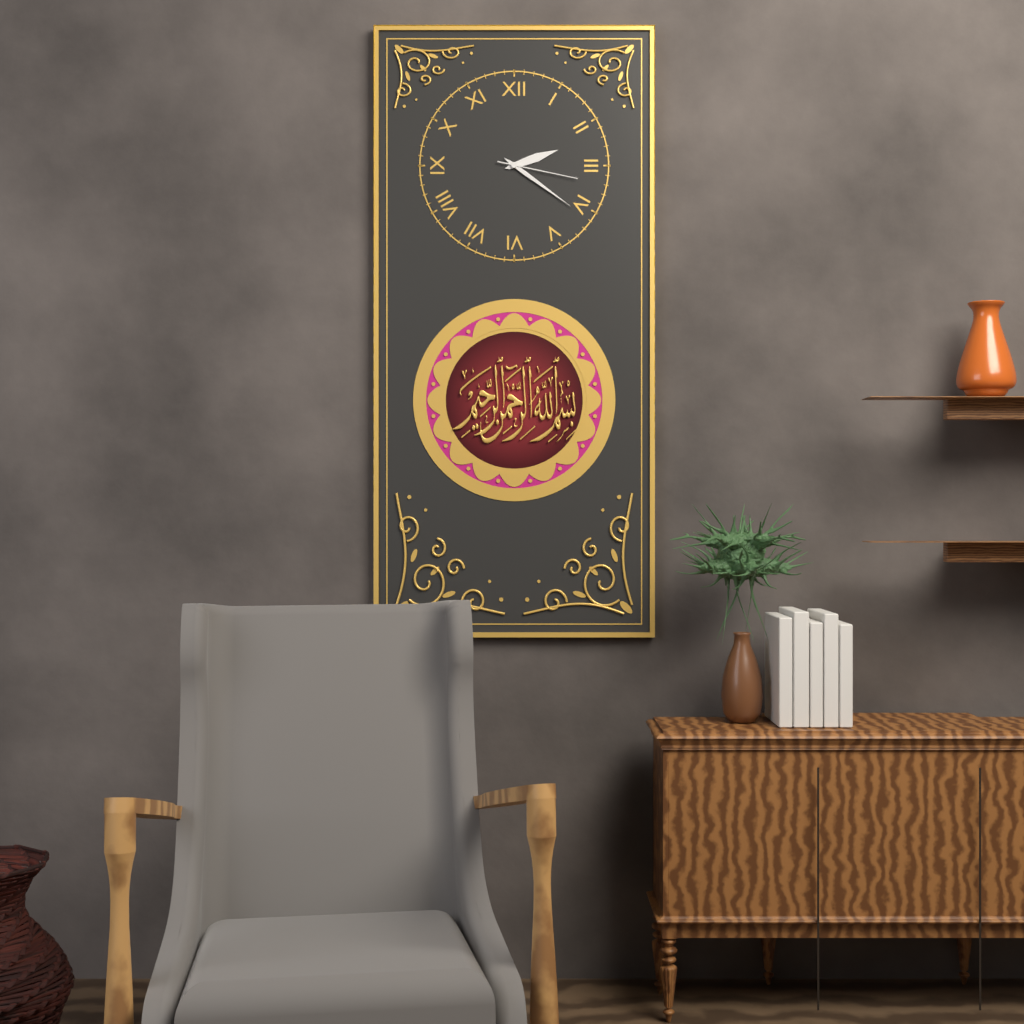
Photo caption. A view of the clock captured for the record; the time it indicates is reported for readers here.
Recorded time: 2:21:17
